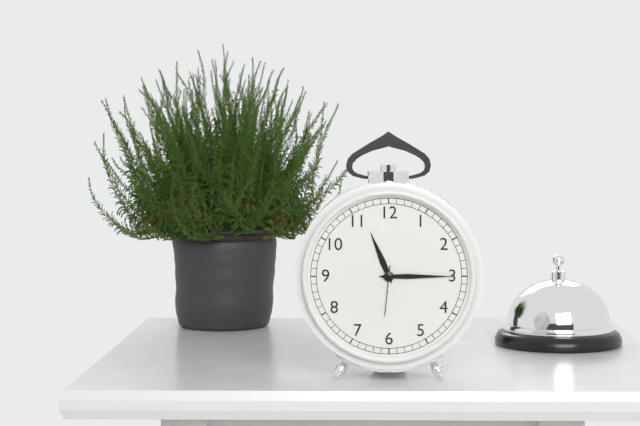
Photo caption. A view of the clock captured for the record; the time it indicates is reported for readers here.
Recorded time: 11:15:31
